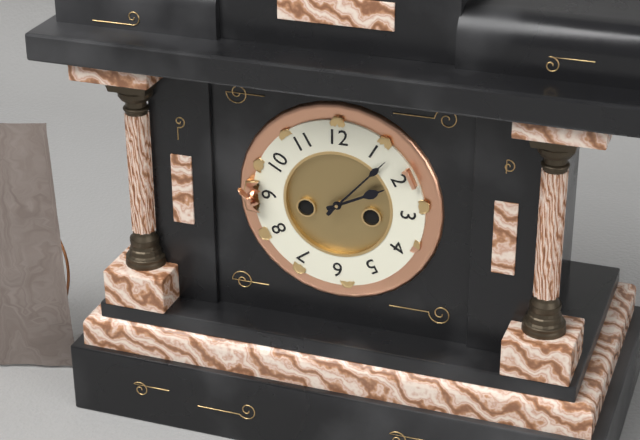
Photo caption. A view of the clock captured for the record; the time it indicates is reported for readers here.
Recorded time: 2:07
